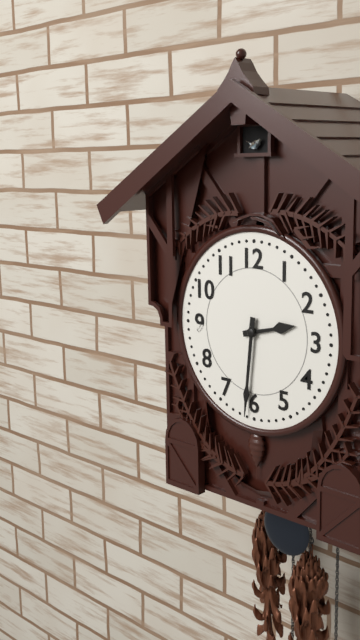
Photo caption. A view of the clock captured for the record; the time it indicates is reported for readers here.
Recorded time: 2:31
